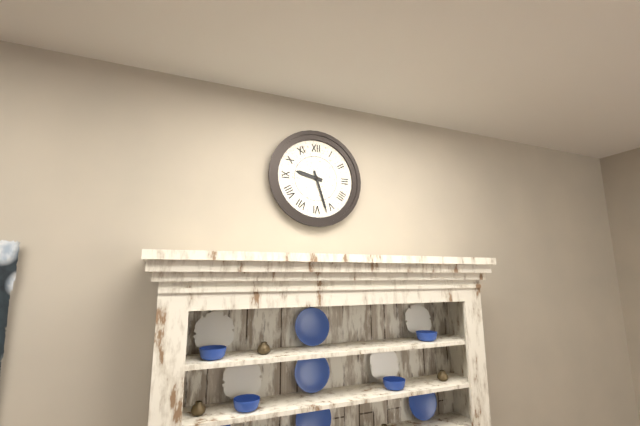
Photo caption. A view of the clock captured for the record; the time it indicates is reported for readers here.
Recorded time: 9:27
